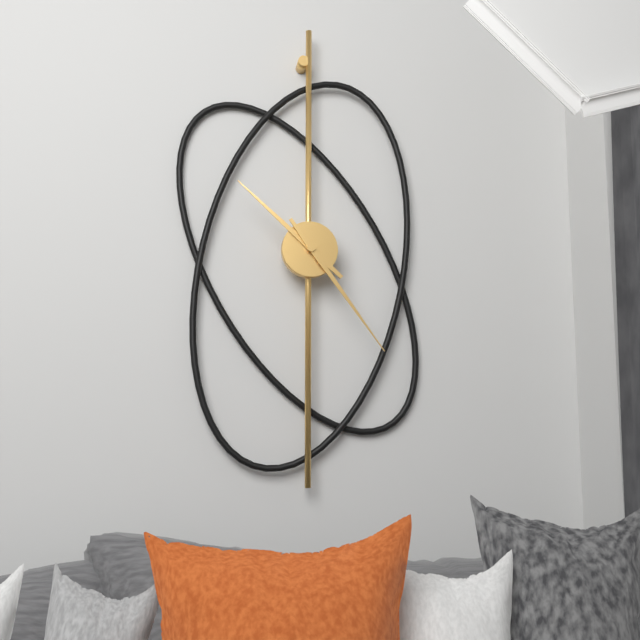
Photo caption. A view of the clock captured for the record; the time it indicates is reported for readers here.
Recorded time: 10:24
